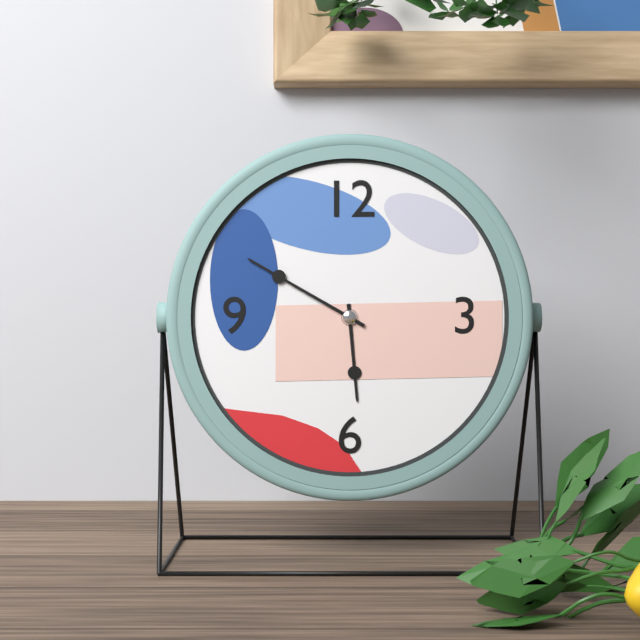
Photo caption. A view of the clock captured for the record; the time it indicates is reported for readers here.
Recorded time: 5:50
